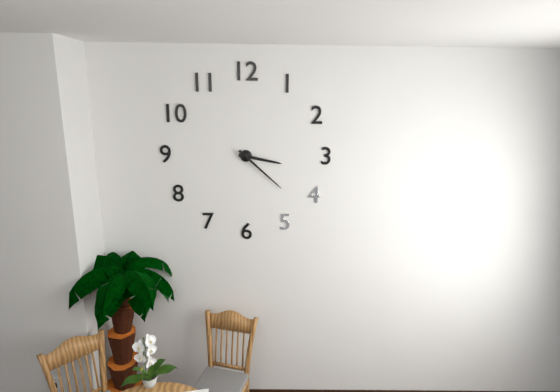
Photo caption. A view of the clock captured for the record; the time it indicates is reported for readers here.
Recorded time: 3:22
